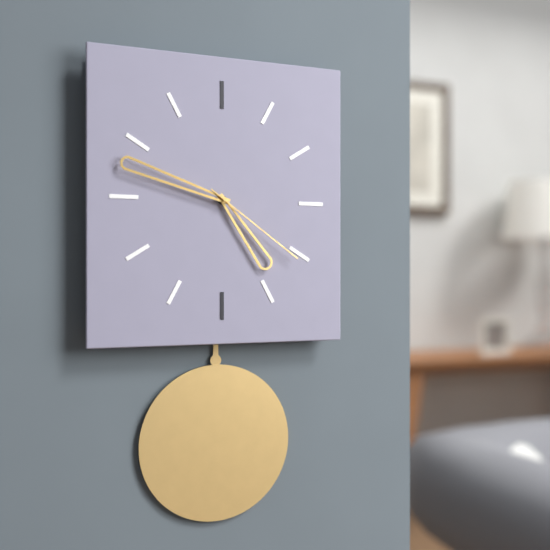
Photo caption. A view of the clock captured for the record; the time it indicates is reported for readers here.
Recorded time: 4:48:21
